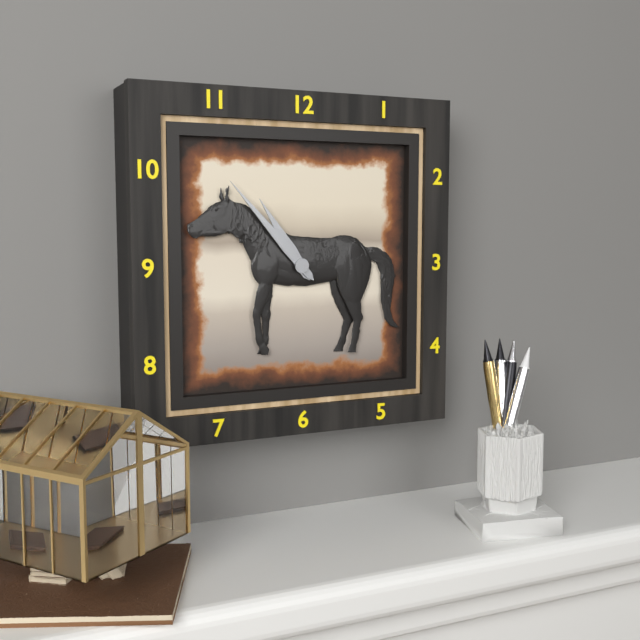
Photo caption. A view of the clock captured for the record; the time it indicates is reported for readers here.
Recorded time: 10:53
